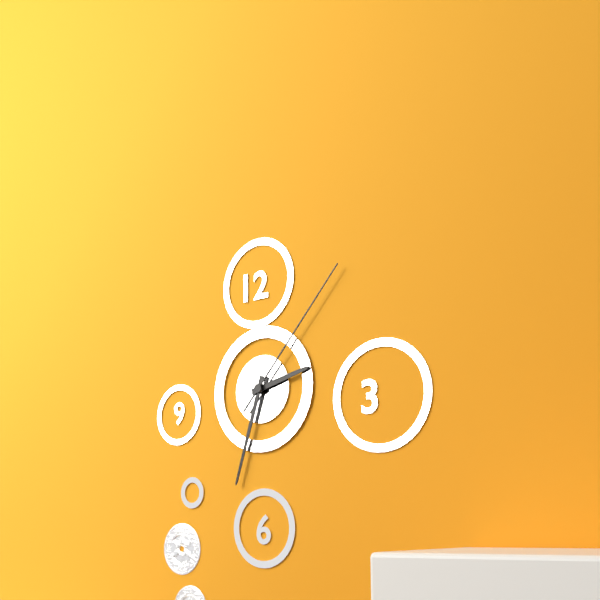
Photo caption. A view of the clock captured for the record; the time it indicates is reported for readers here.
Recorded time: 2:33:07
